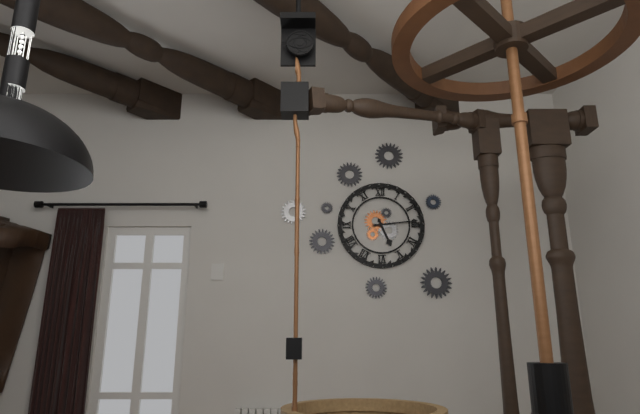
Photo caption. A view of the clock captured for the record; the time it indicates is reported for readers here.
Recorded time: 5:14
